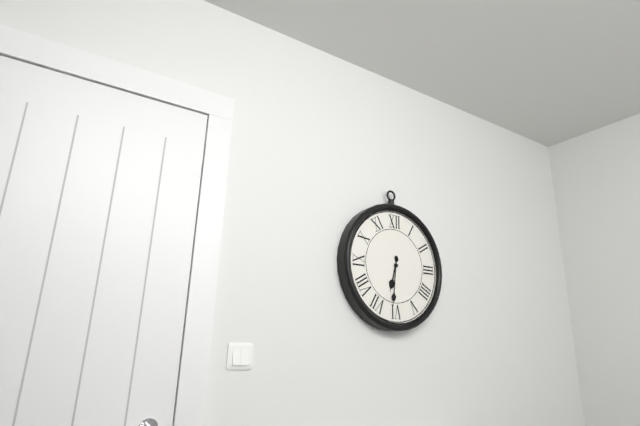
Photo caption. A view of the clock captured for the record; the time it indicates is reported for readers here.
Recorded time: 6:31
